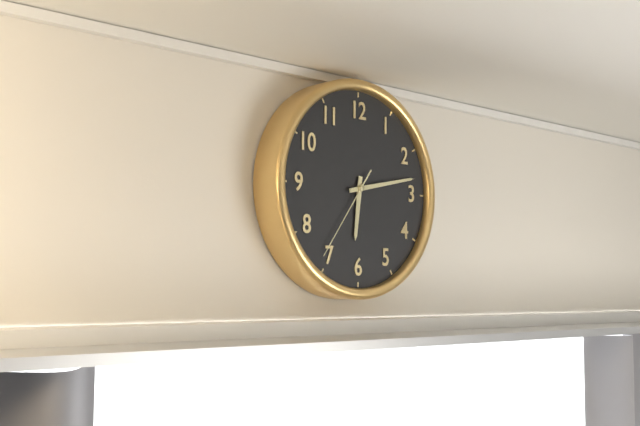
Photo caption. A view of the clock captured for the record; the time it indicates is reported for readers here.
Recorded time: 6:13:36
